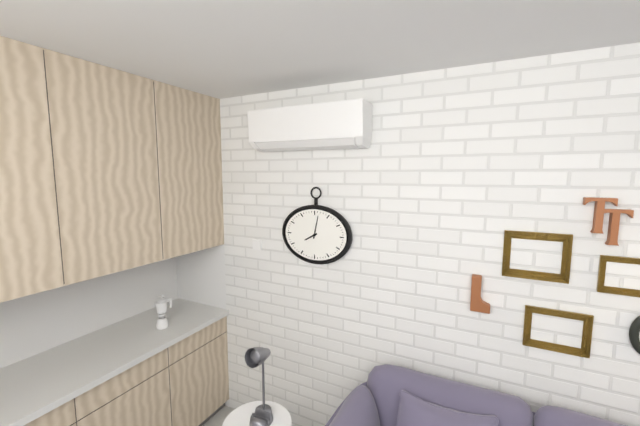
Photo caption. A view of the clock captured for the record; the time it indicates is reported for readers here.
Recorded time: 8:02
